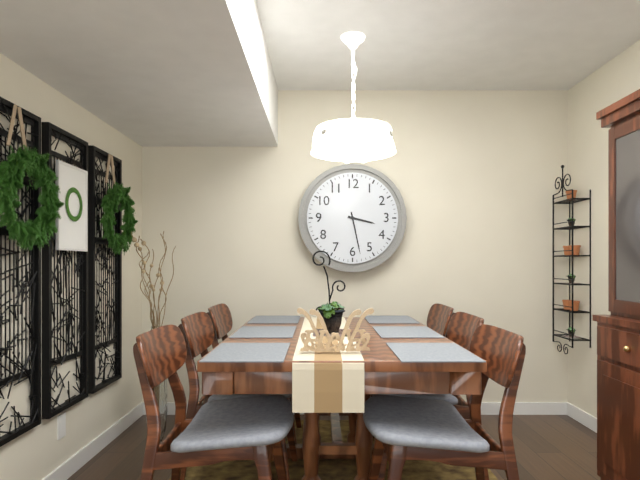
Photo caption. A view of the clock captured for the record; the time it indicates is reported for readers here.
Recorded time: 3:28
